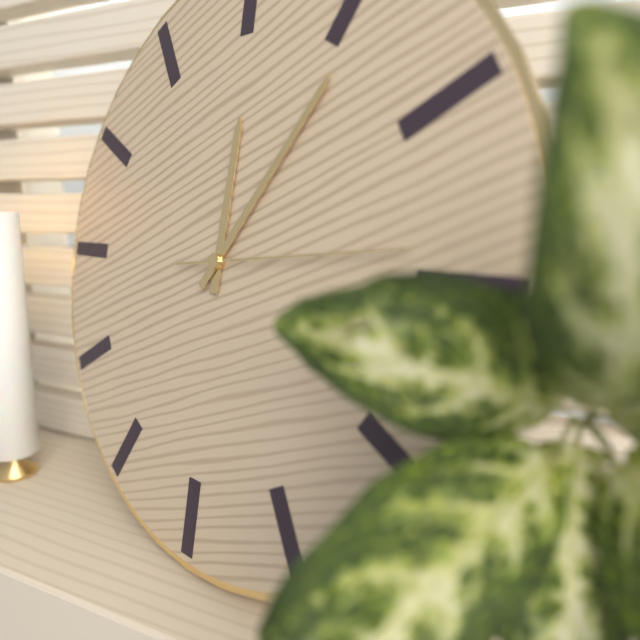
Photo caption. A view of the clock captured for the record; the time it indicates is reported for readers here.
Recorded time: 12:06:14
